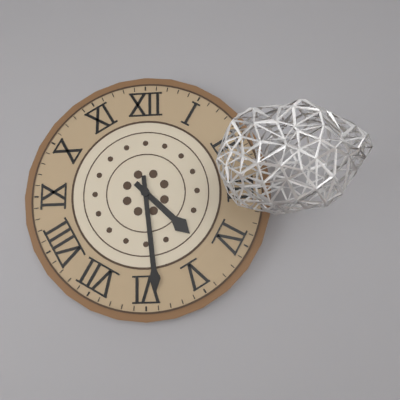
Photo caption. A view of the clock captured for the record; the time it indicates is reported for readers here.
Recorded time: 4:29
